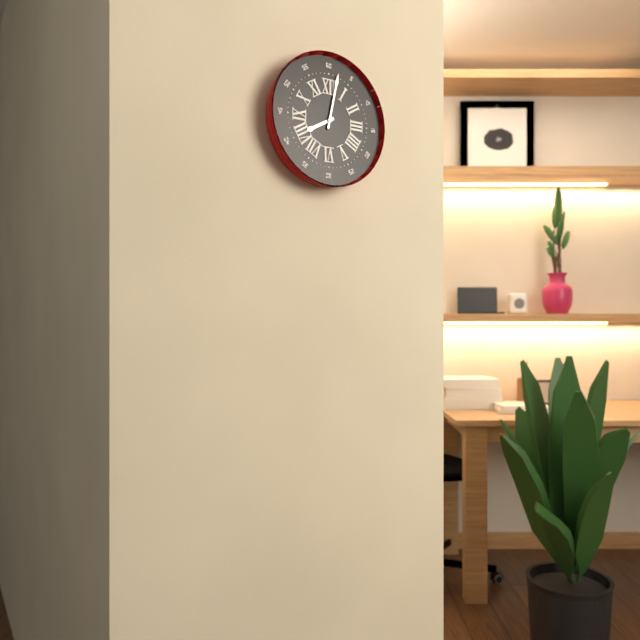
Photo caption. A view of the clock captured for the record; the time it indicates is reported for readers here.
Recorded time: 8:02
